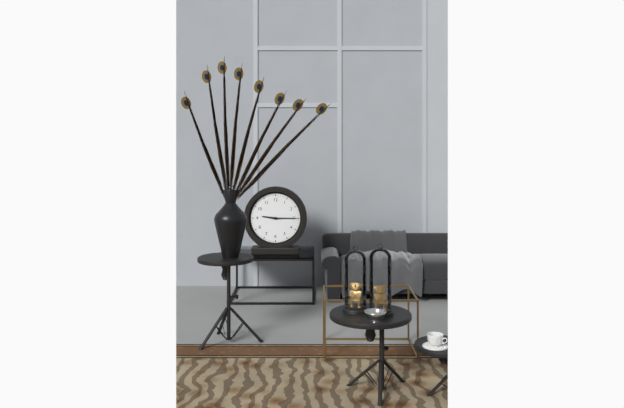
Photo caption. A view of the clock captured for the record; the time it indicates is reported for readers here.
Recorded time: 9:15
